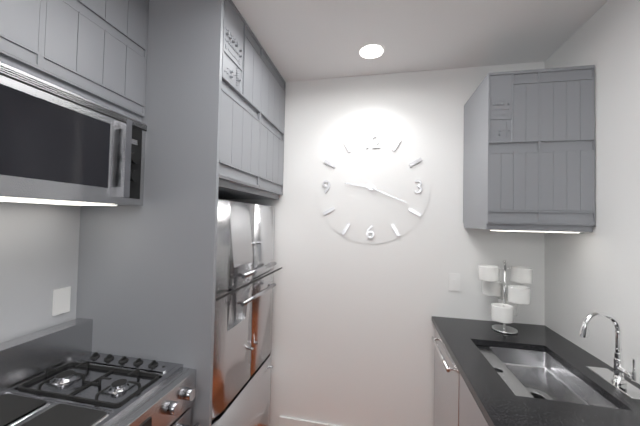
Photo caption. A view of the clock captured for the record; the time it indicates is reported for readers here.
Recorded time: 9:19
